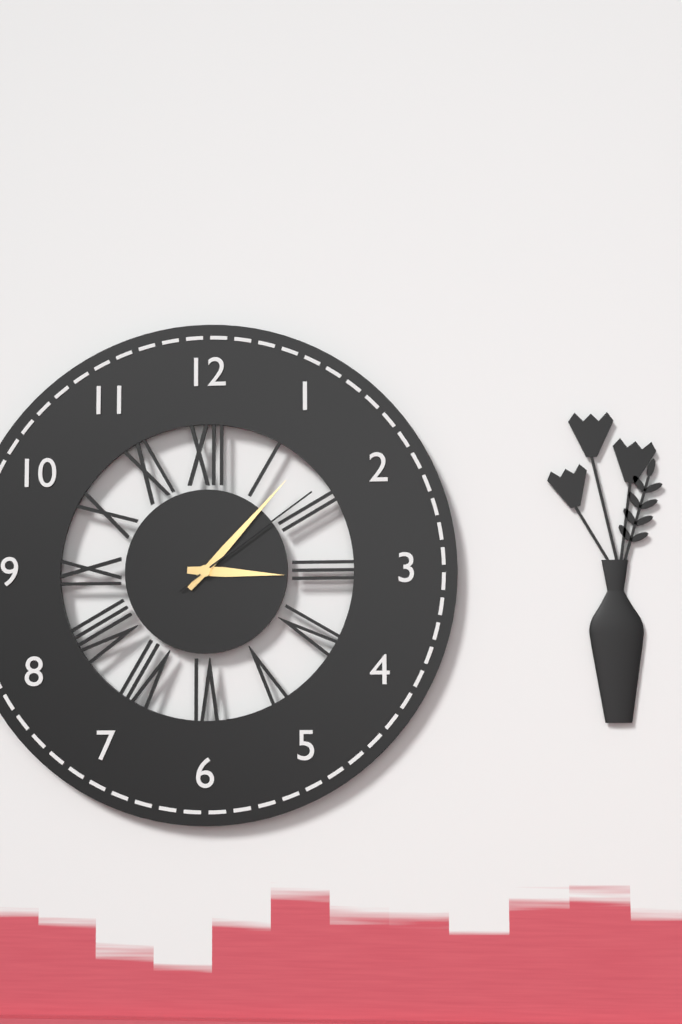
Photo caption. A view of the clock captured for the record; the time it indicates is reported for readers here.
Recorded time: 3:07:09
